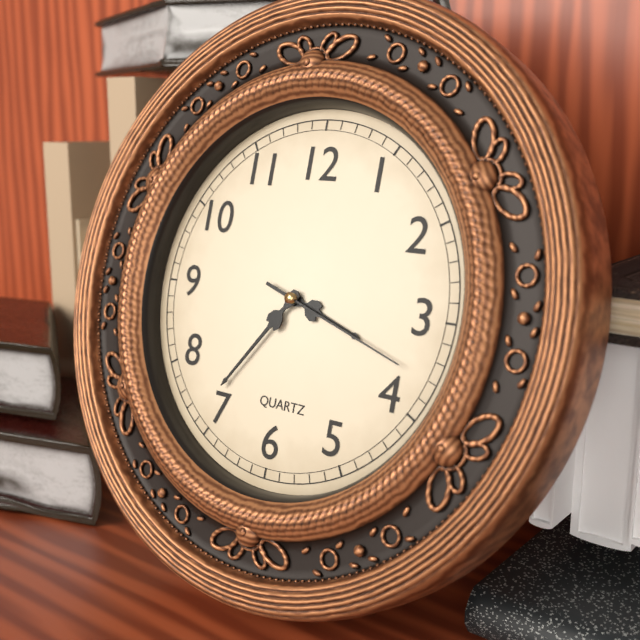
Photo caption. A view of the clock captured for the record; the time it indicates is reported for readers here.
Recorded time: 3:36:18
